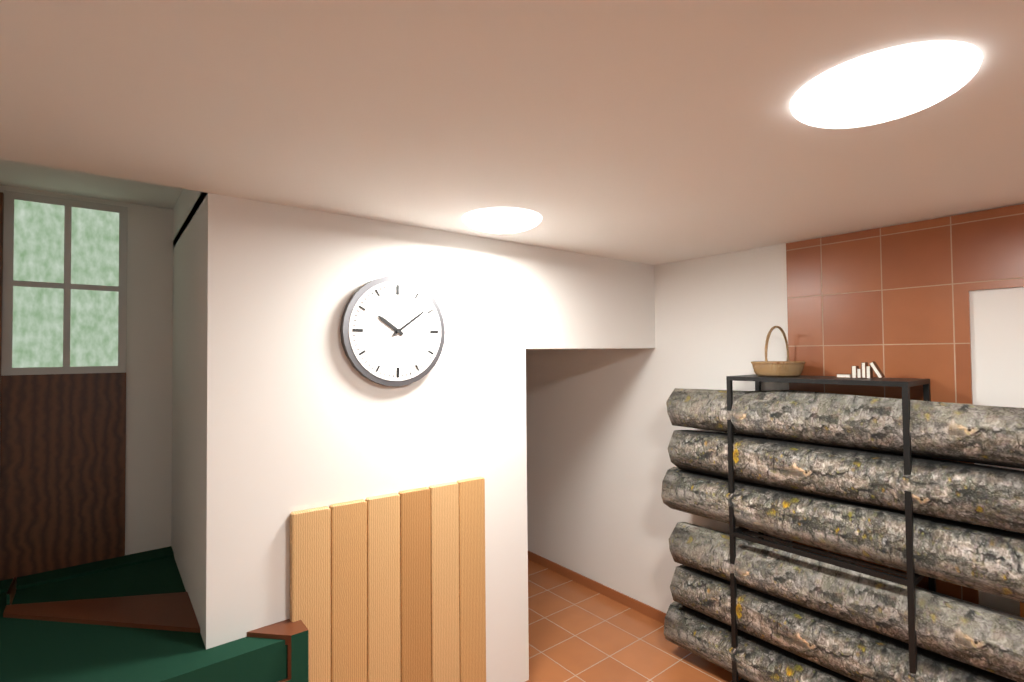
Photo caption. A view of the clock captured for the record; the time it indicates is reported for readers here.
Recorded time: 10:09
